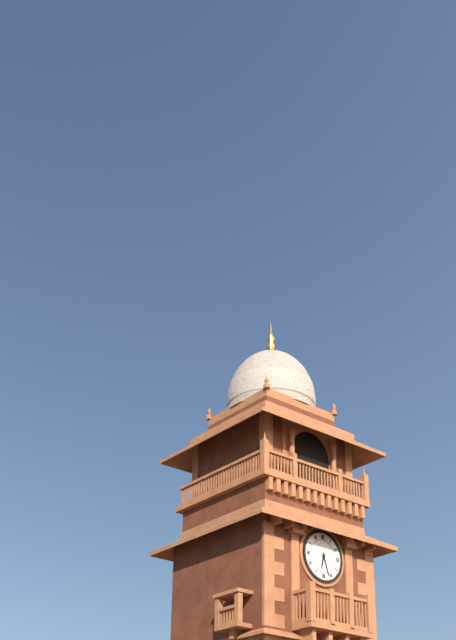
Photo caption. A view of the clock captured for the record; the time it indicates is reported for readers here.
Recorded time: 6:27
